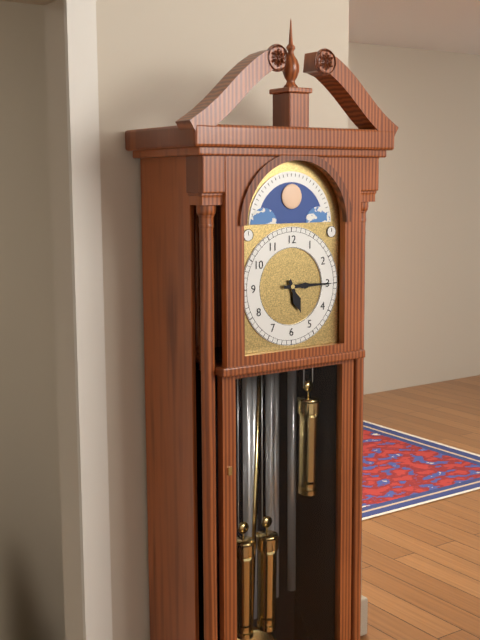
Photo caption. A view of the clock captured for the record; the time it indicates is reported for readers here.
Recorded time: 5:15
